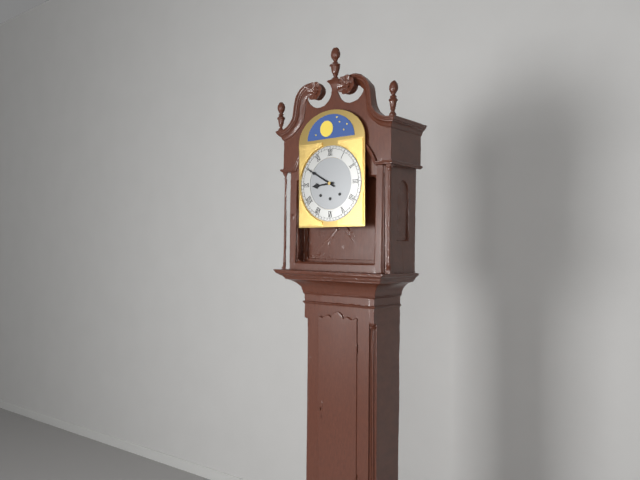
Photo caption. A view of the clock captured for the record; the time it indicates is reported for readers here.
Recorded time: 8:50
